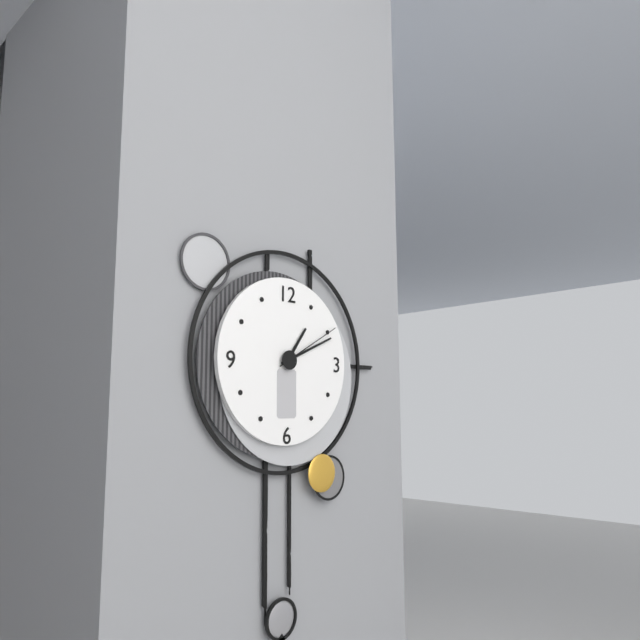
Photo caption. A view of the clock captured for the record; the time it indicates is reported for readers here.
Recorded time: 1:11:10
